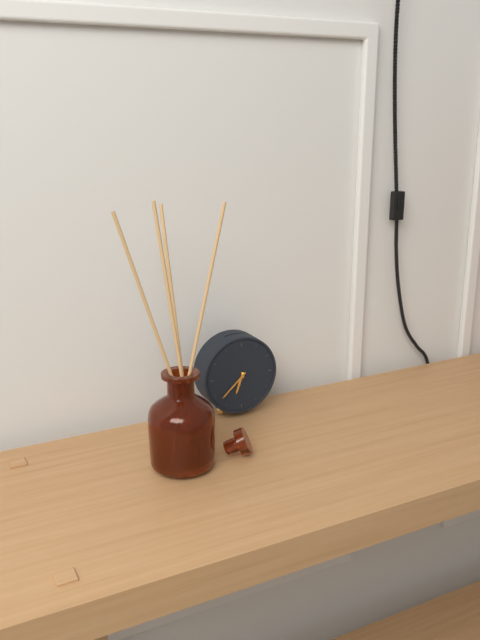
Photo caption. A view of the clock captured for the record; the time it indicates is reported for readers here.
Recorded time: 6:38
